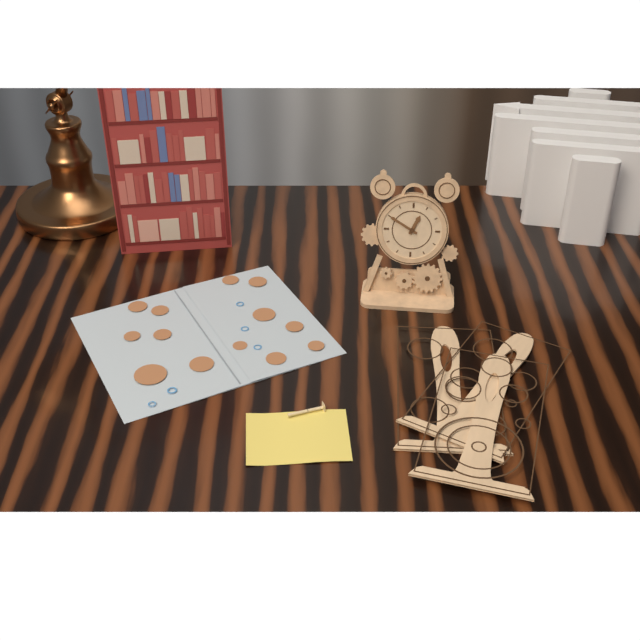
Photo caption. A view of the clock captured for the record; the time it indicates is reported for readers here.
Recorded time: 12:50
